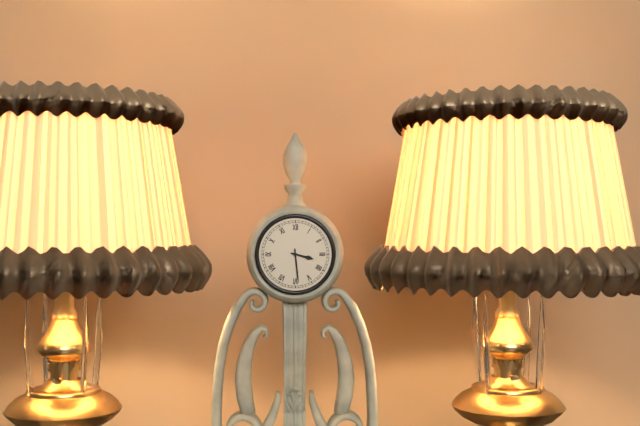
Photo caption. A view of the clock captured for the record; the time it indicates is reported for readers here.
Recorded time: 3:29
